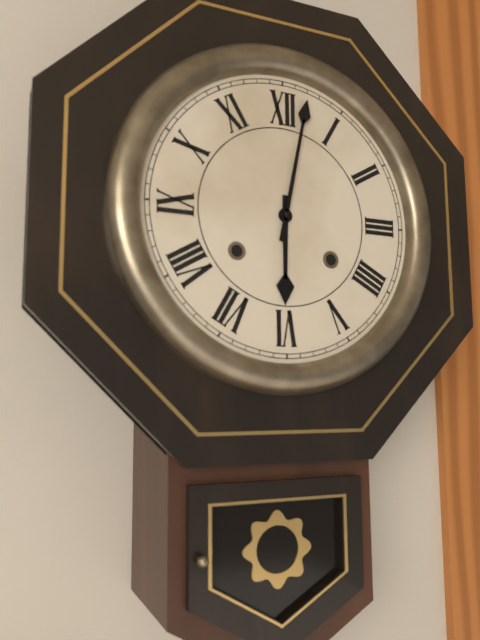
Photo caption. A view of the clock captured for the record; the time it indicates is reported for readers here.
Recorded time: 6:02
